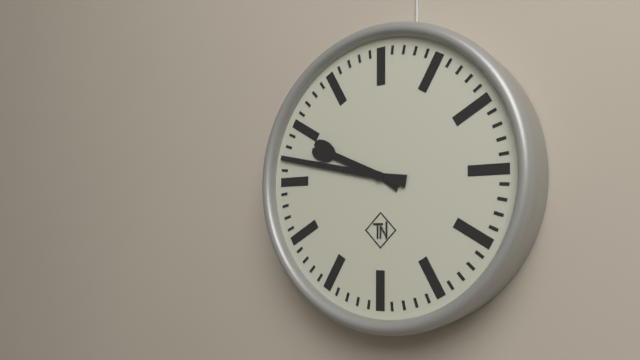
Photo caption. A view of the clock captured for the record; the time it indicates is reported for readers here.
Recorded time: 9:47
